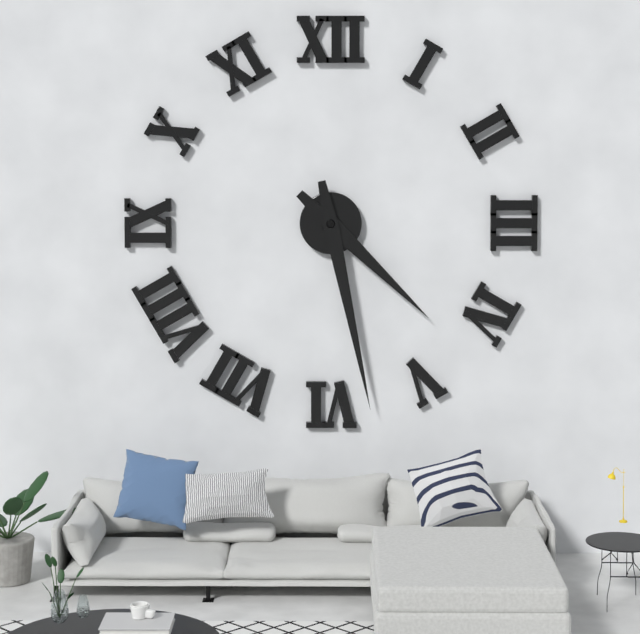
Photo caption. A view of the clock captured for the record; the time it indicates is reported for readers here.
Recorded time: 4:28
